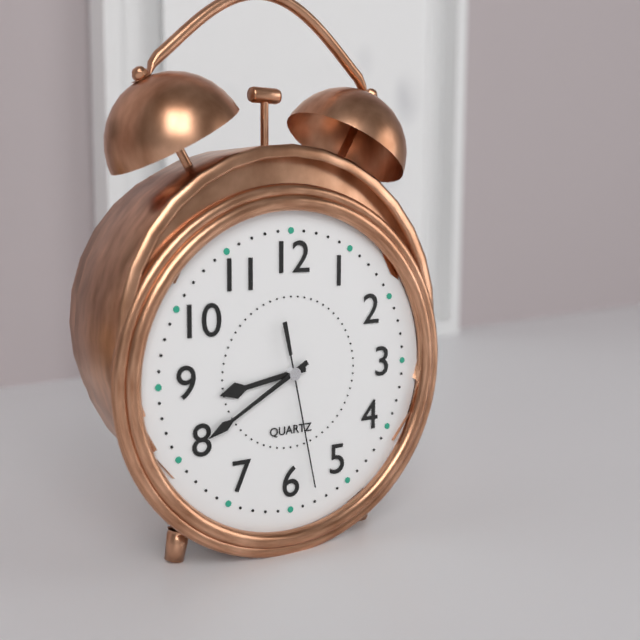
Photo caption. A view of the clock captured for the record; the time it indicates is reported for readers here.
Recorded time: 8:40:28
